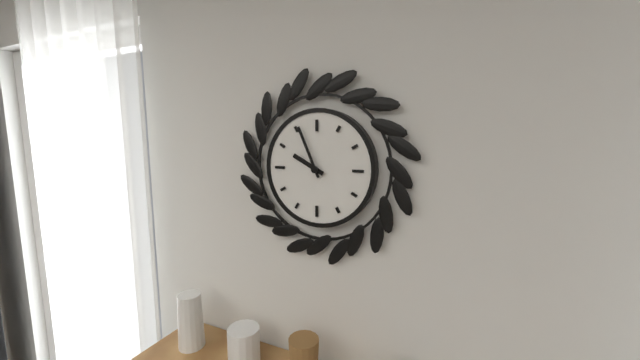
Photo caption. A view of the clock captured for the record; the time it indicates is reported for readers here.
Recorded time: 9:56
